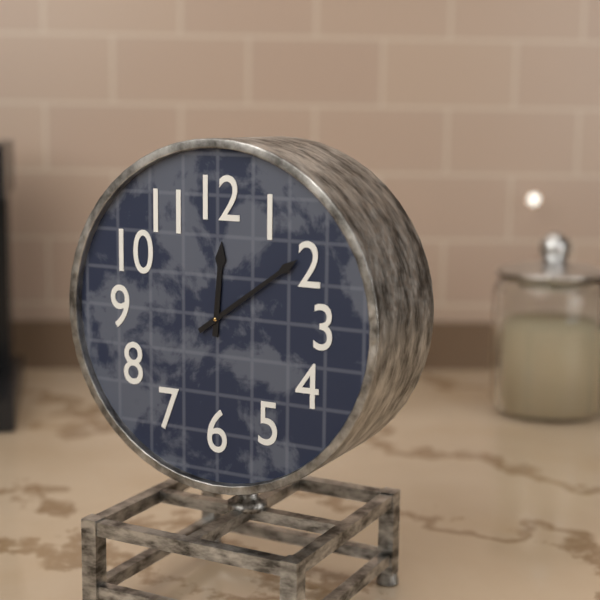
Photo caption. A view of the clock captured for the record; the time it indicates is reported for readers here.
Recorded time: 12:09
